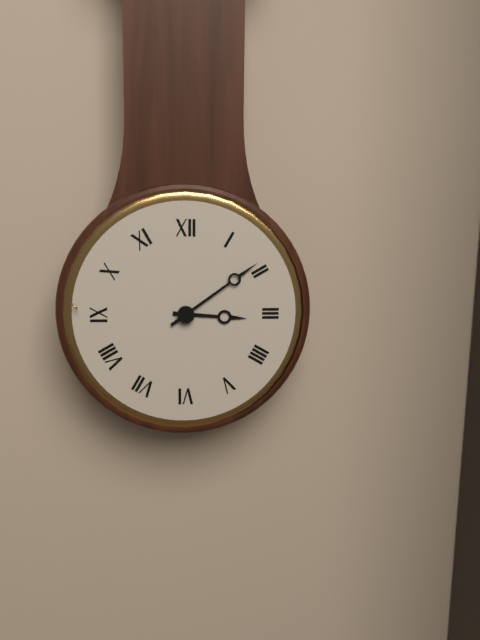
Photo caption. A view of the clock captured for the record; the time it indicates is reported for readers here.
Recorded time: 3:09
